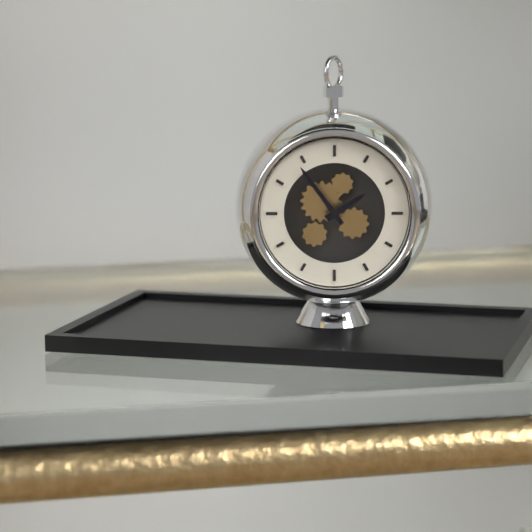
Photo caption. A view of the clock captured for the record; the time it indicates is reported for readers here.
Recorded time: 1:54
